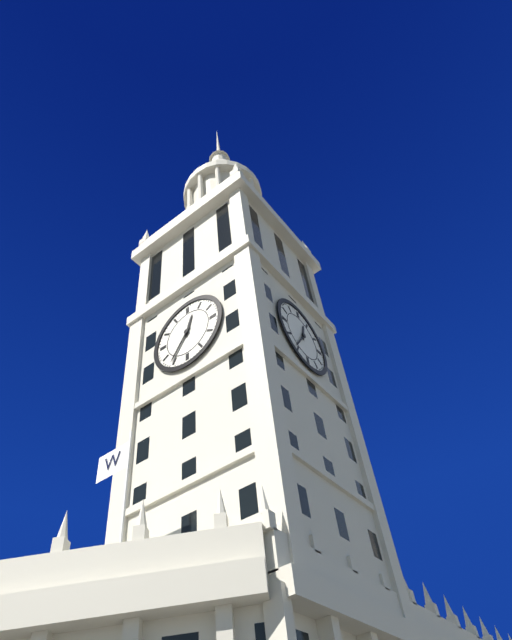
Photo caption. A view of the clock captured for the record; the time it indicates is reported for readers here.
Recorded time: 12:36
